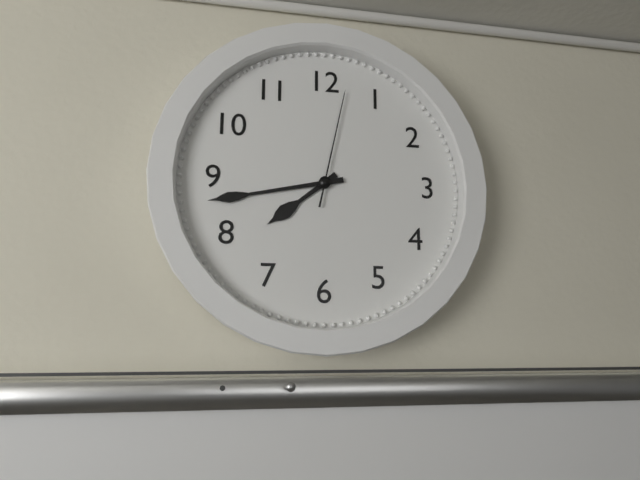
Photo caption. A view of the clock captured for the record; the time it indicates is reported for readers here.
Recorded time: 7:43:02
